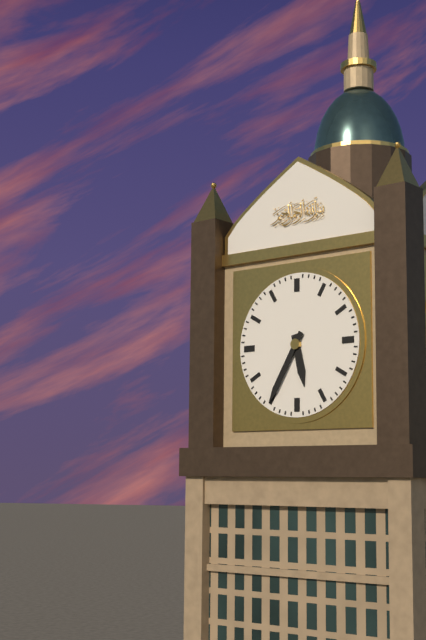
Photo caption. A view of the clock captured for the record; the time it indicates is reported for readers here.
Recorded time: 5:35
